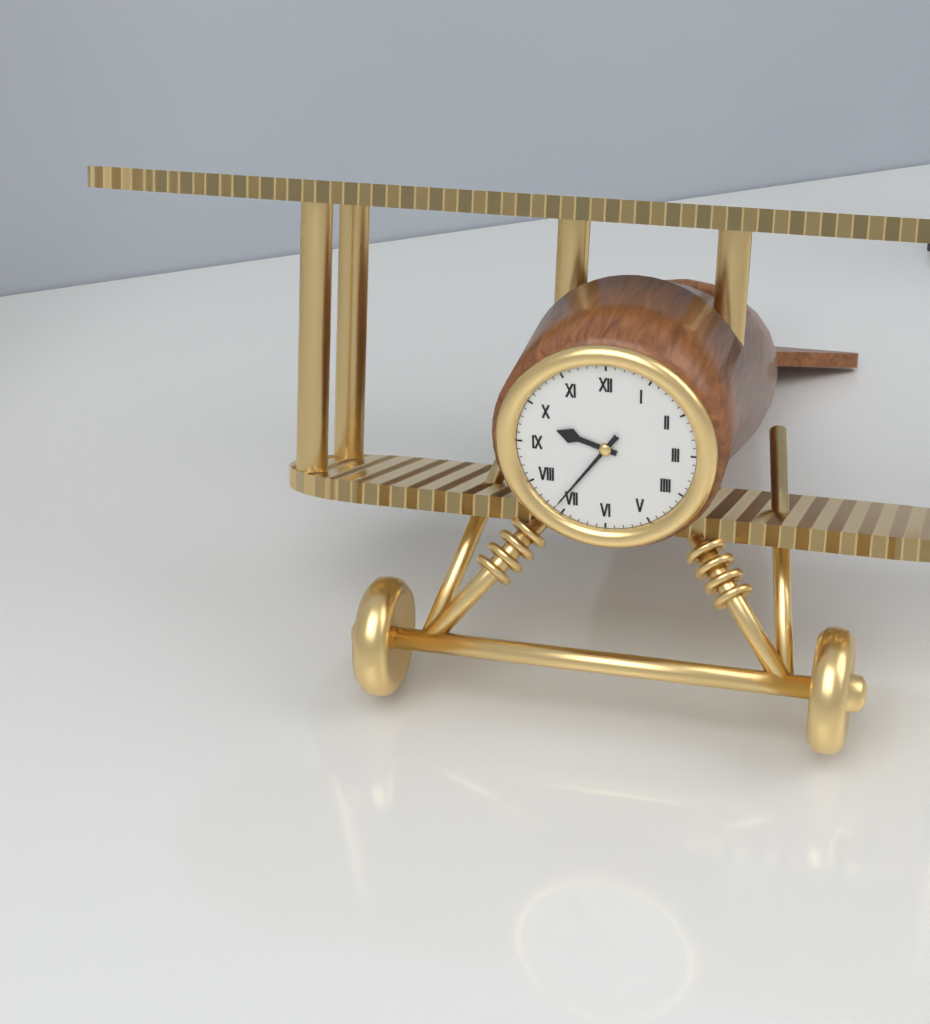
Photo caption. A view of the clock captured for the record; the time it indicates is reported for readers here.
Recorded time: 9:36
